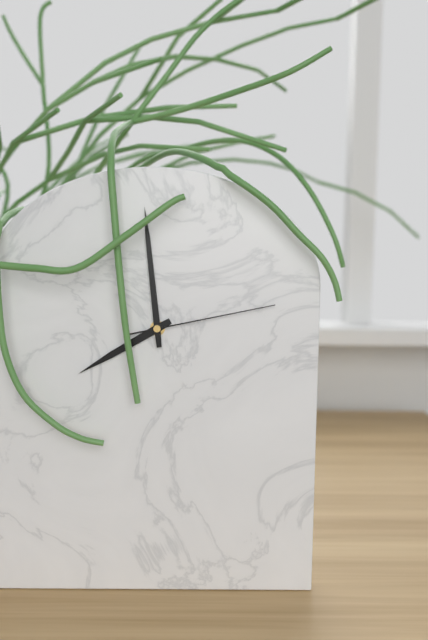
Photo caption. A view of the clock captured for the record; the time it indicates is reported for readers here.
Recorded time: 7:59:13
